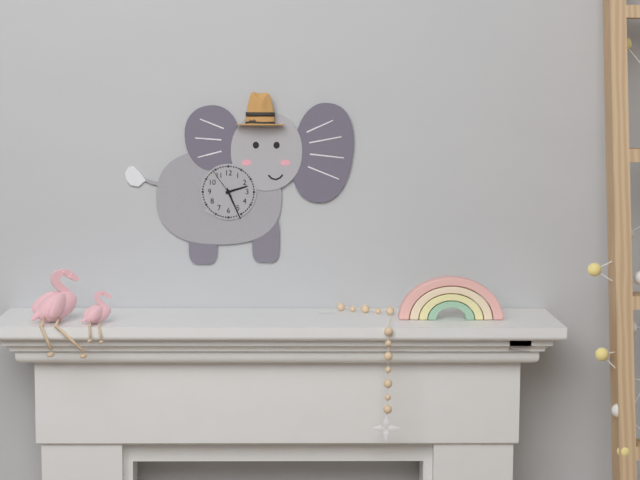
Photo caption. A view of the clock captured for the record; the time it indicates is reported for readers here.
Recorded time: 2:26
